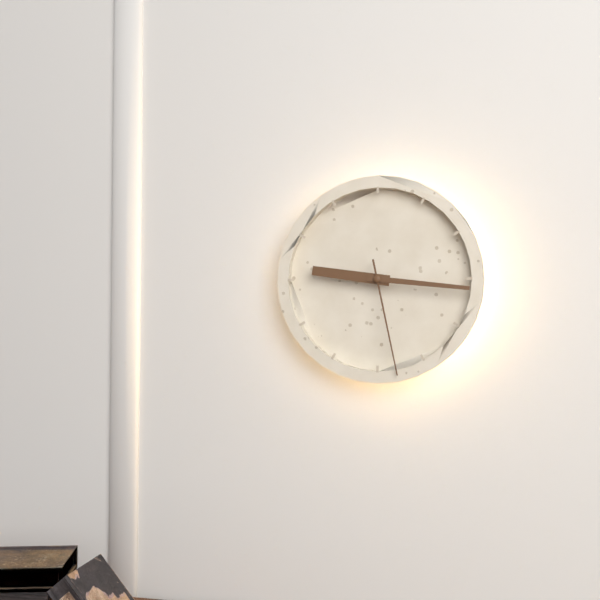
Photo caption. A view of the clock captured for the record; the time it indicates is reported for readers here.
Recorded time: 9:16:28
